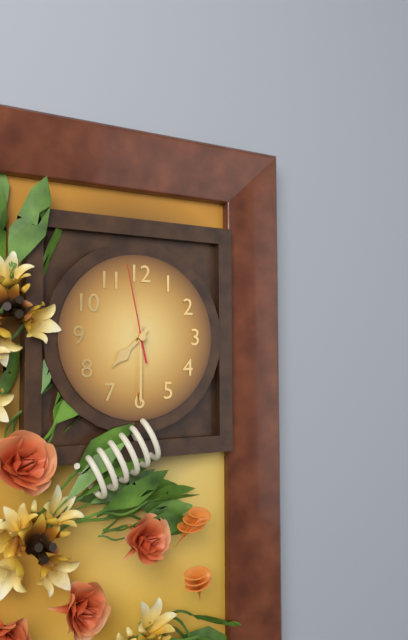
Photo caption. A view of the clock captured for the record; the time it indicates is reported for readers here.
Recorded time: 7:30:58
